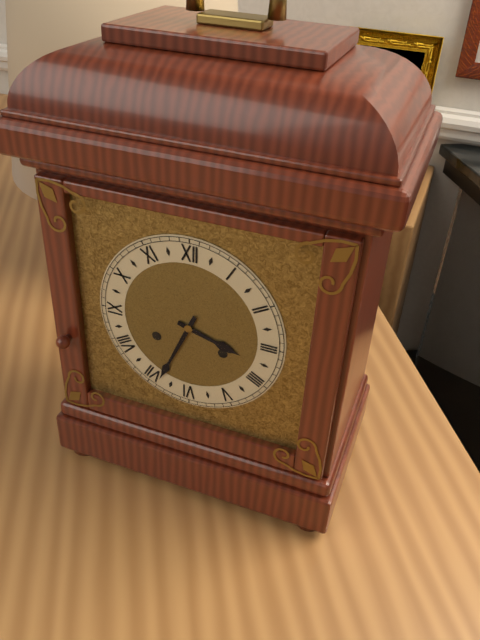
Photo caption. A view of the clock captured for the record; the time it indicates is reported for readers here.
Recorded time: 3:34
